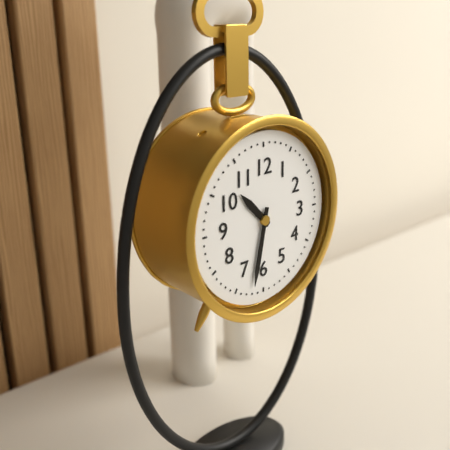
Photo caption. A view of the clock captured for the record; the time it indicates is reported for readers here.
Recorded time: 10:32
